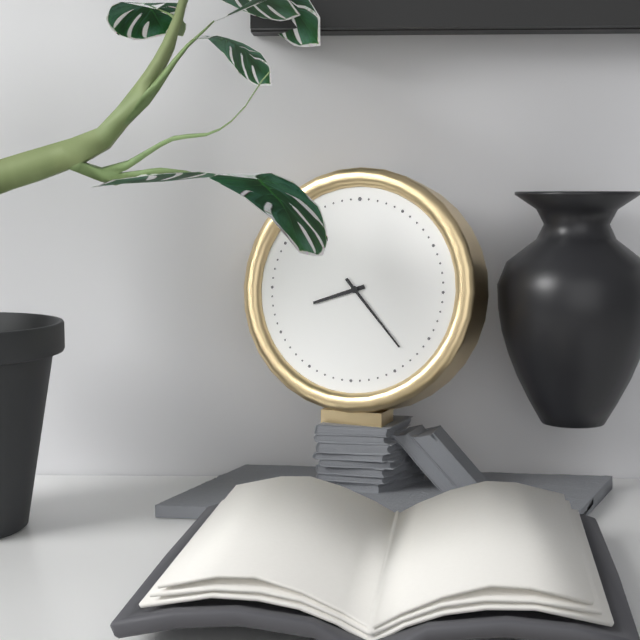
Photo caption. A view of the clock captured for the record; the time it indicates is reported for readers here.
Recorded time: 8:23
